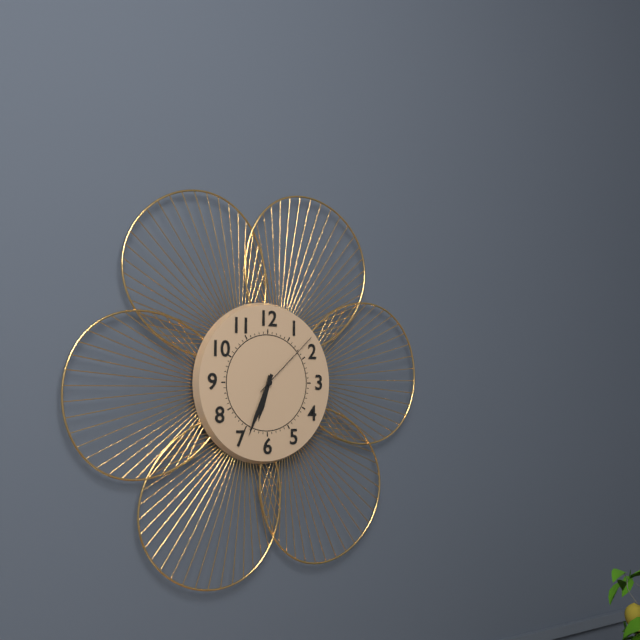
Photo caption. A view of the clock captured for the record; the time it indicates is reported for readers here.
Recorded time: 6:34:08
